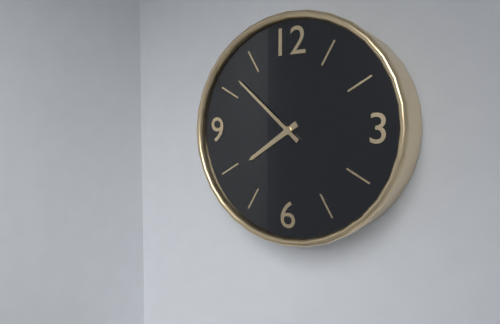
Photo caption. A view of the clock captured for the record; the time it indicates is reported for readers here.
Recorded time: 7:52
